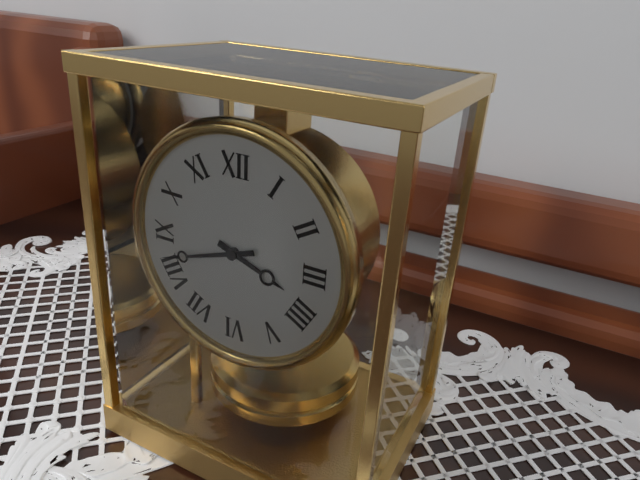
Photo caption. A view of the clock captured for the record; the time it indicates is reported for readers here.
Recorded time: 3:42
